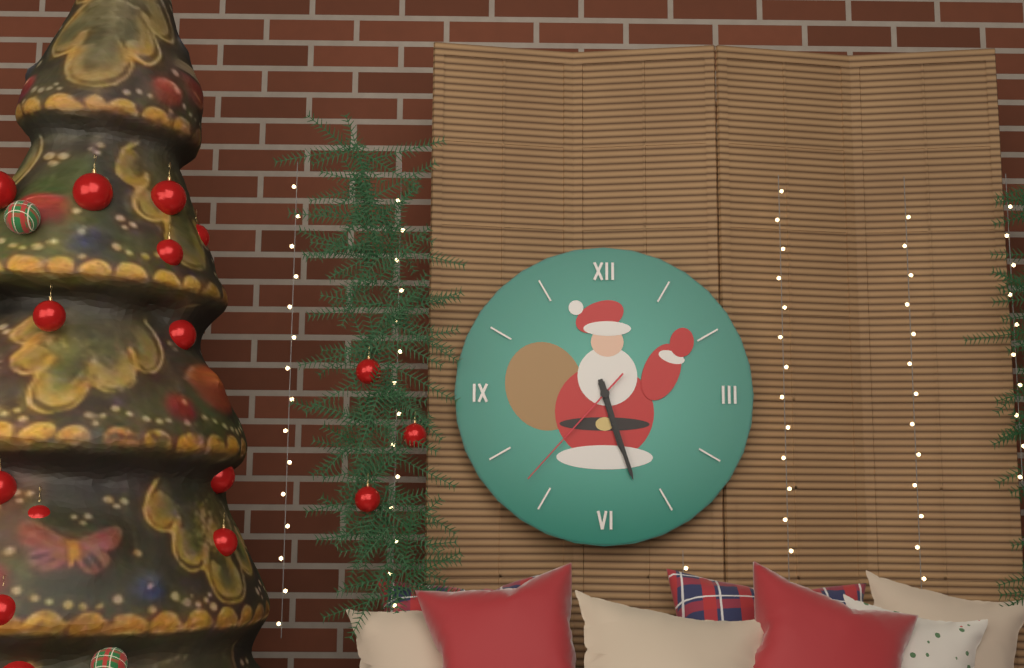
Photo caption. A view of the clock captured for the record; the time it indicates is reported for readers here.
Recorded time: 5:27:37
